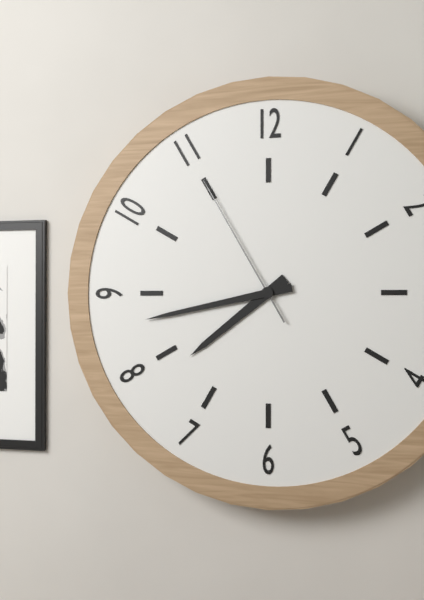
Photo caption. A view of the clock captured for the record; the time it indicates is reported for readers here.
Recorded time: 7:43:55
